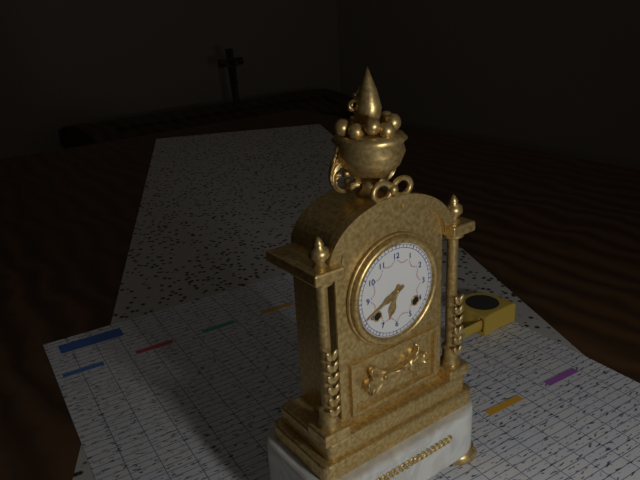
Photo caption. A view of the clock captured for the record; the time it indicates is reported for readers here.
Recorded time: 6:41
